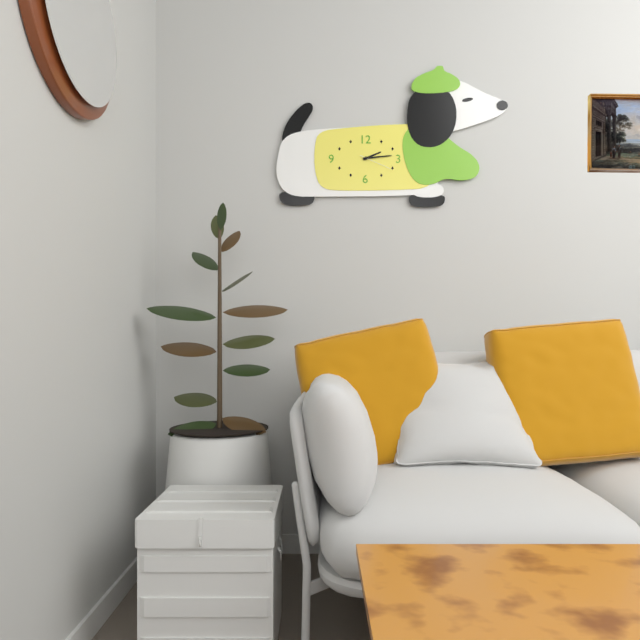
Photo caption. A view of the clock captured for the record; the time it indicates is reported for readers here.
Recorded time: 2:14
